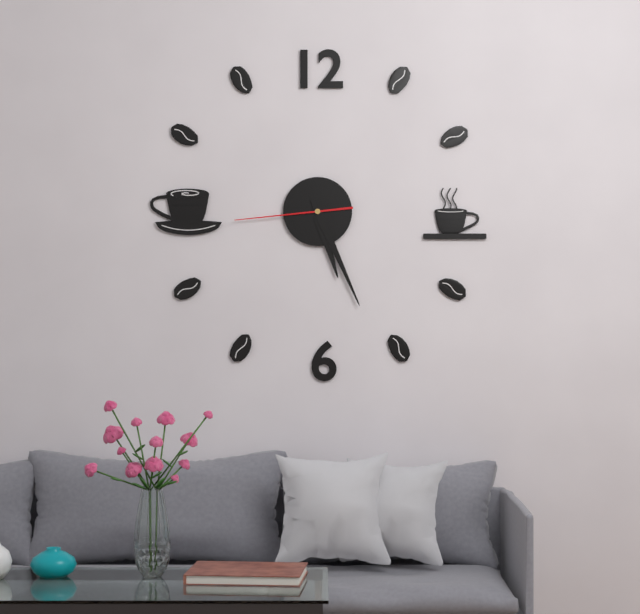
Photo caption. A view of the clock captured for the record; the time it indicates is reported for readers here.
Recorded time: 5:26:44
